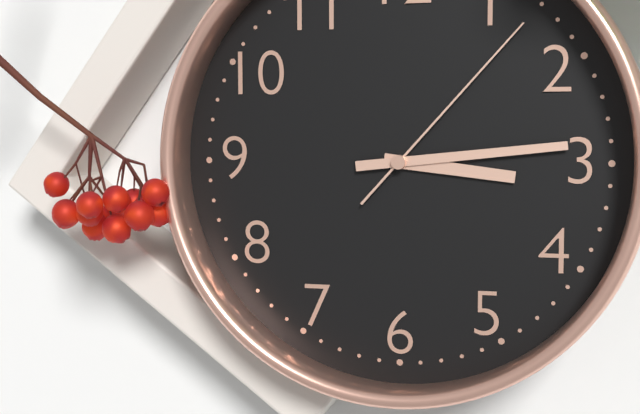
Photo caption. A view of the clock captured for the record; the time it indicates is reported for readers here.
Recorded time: 3:14:07
